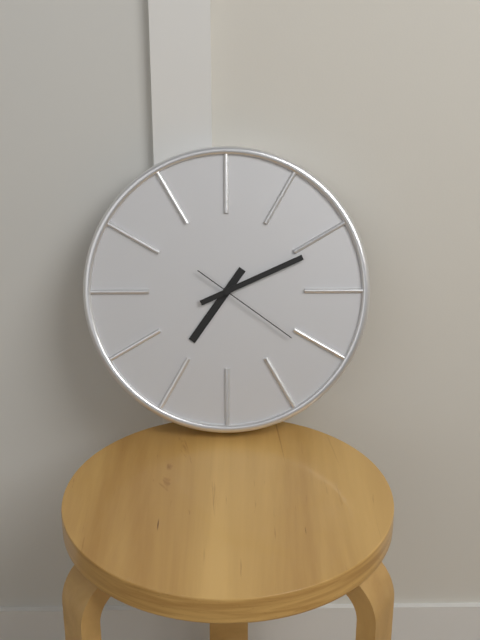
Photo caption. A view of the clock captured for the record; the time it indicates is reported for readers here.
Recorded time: 7:11:21
